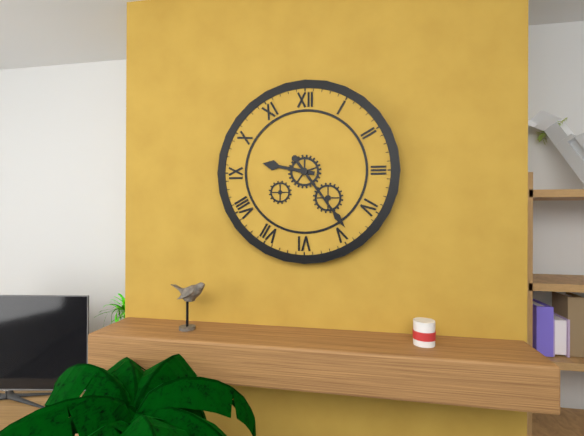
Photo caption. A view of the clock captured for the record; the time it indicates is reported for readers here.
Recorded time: 9:24
